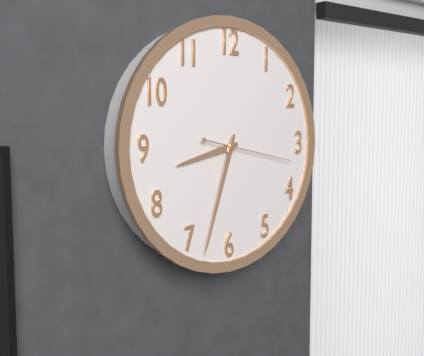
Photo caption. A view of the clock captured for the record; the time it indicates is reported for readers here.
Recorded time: 8:33:17
